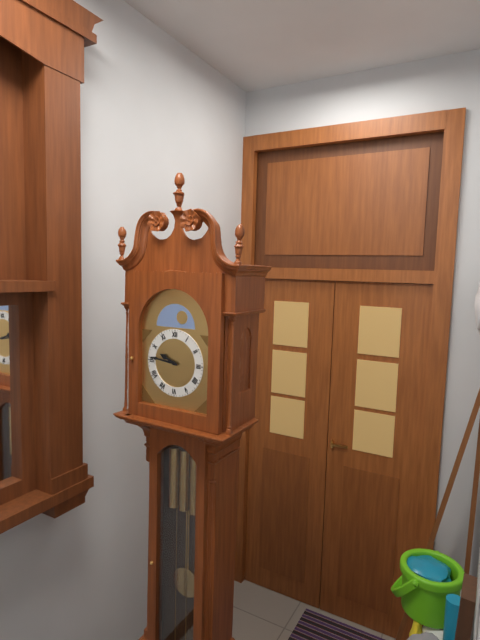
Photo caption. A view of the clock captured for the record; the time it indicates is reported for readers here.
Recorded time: 9:46
